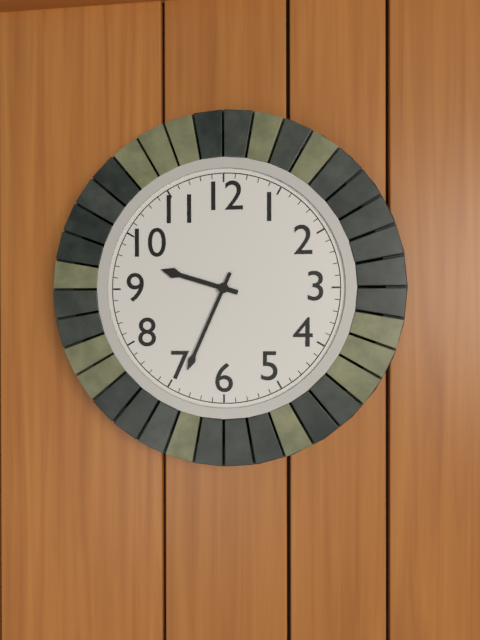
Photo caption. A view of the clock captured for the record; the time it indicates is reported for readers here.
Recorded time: 9:34
